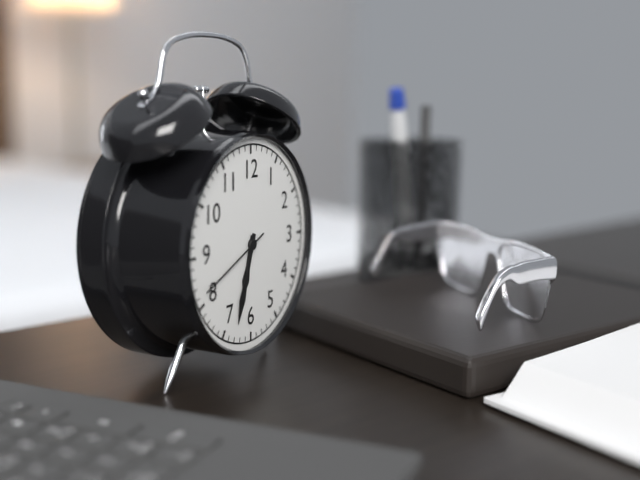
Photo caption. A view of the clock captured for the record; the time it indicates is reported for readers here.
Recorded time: 6:33:41
